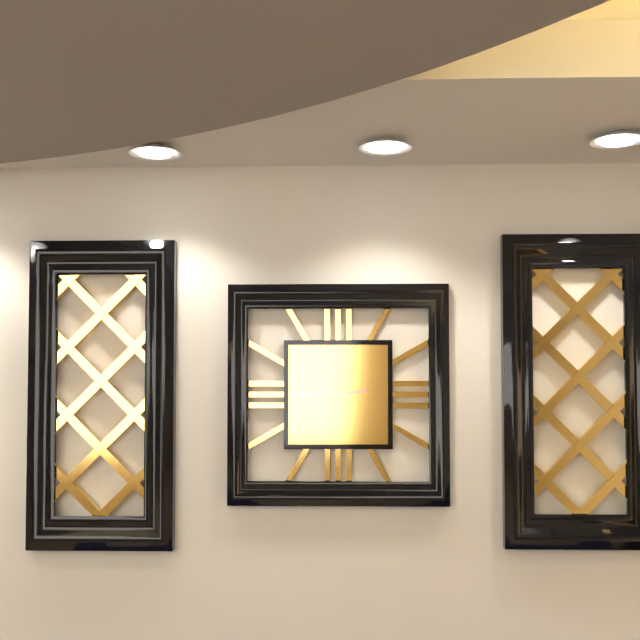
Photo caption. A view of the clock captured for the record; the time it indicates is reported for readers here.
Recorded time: 2:45:57
